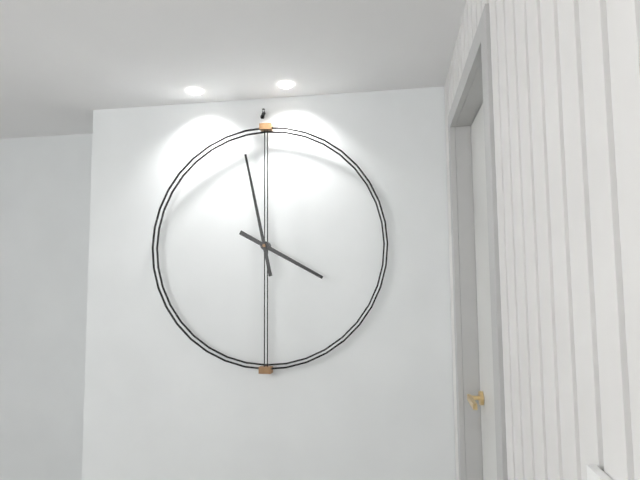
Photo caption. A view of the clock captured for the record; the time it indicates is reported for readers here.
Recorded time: 3:58
